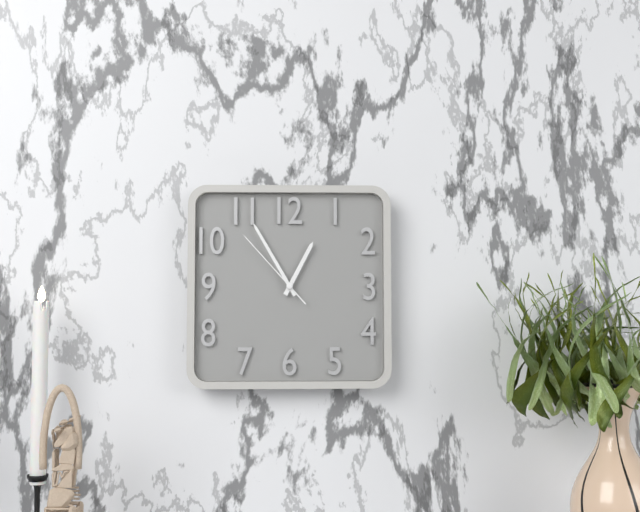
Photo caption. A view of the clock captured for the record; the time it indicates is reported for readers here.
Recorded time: 12:55:53
